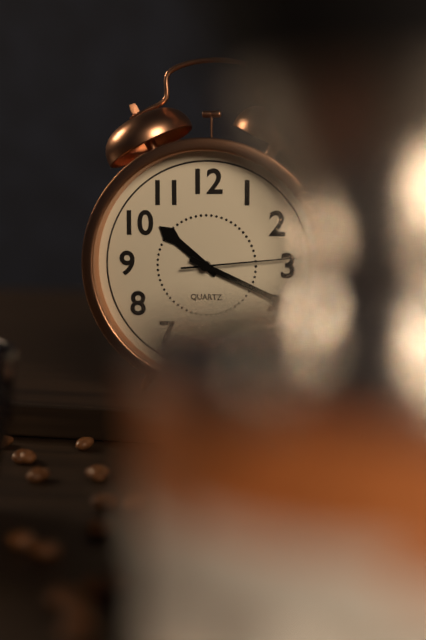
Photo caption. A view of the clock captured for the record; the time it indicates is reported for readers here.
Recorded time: 10:19:14
